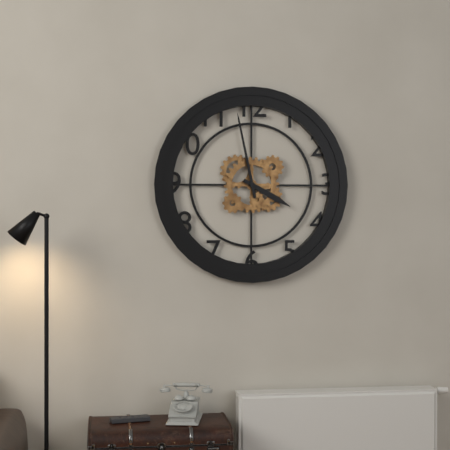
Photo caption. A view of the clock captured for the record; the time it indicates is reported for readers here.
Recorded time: 3:58
